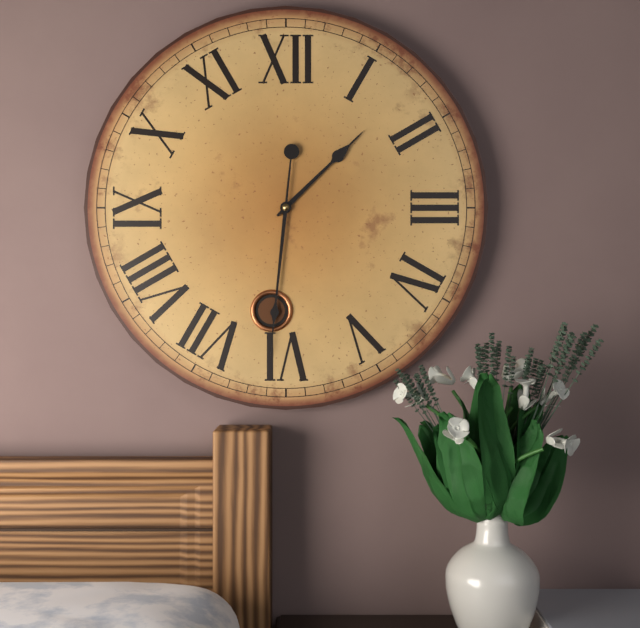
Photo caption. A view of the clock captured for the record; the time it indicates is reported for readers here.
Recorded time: 1:31
